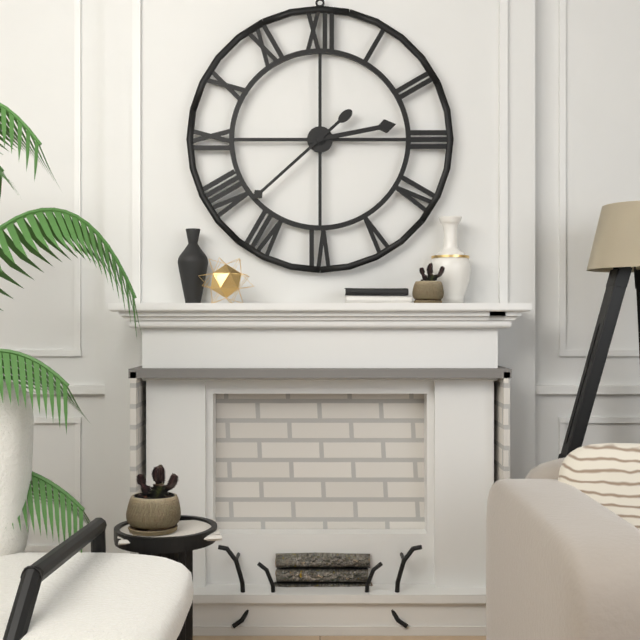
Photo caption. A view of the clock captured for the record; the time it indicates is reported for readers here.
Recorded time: 2:38
